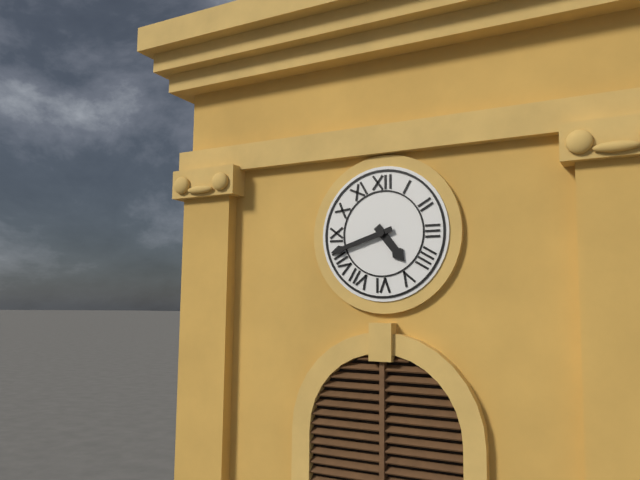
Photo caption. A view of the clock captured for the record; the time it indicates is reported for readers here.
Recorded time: 4:42
